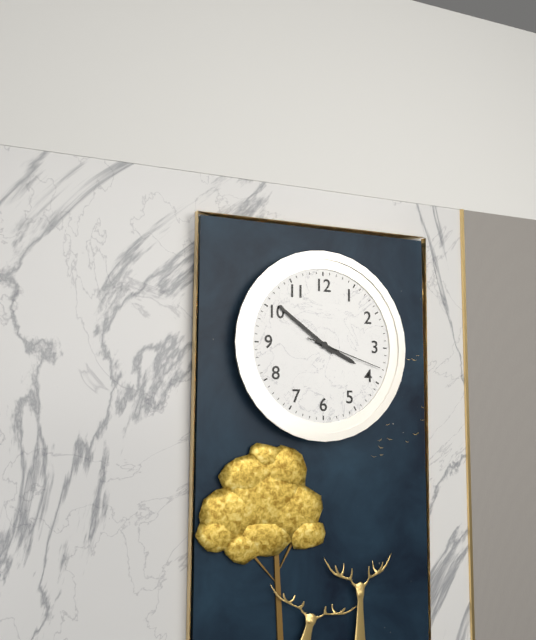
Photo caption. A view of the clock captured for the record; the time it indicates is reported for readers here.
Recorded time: 3:51:18
